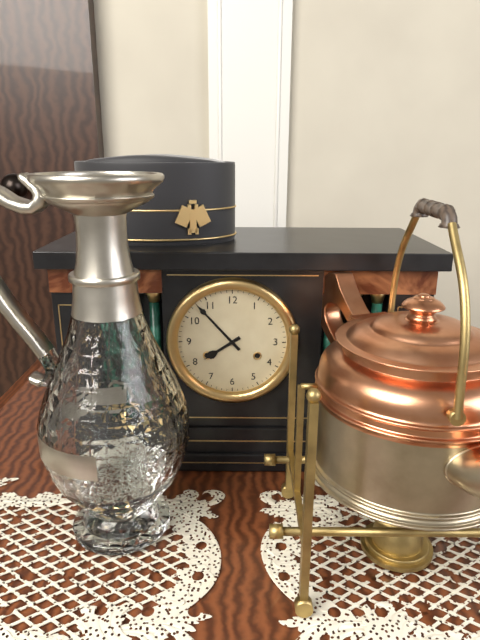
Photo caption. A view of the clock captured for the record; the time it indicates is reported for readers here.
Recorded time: 7:53
